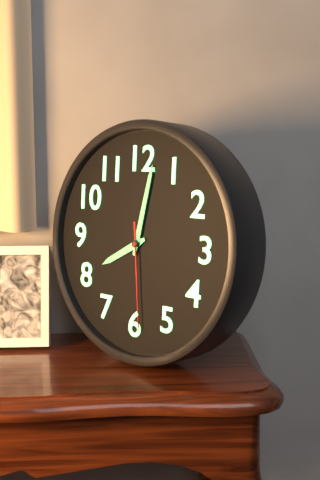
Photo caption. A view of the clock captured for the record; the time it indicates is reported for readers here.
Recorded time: 8:02:29
